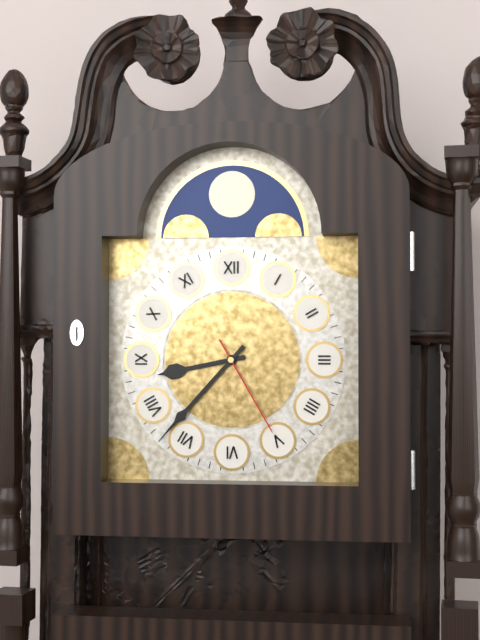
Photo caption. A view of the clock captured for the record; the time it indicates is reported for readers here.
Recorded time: 8:37:25
